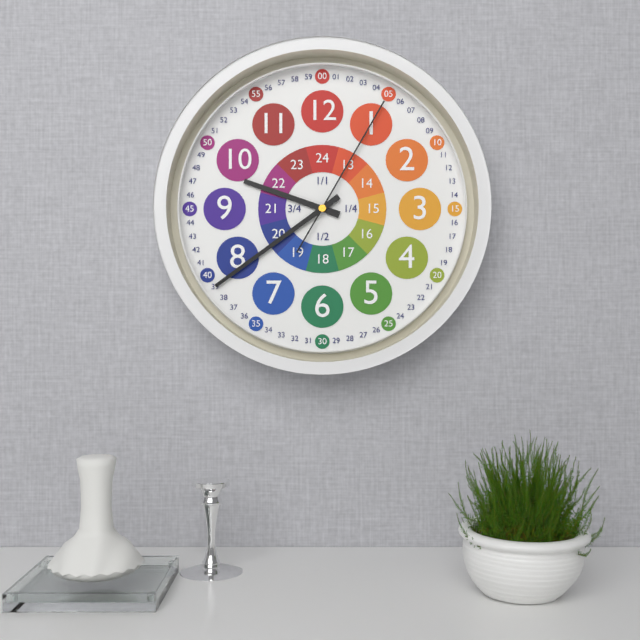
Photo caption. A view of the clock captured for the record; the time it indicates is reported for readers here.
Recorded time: 9:39:05
